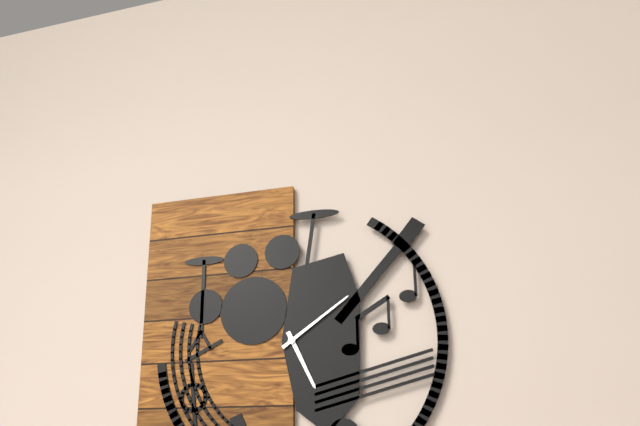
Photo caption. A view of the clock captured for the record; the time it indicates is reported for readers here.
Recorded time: 5:09
